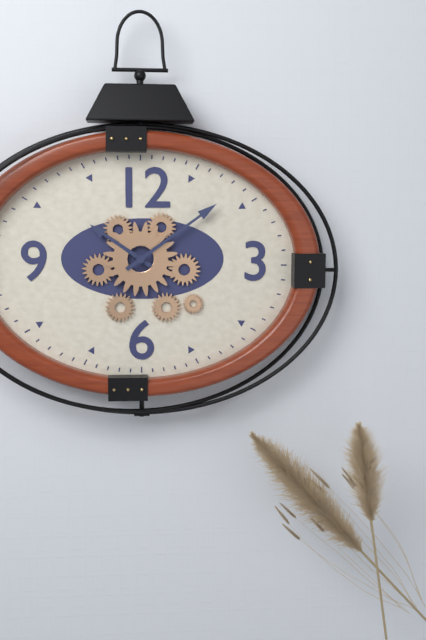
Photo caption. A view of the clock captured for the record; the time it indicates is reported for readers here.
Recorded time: 10:09
